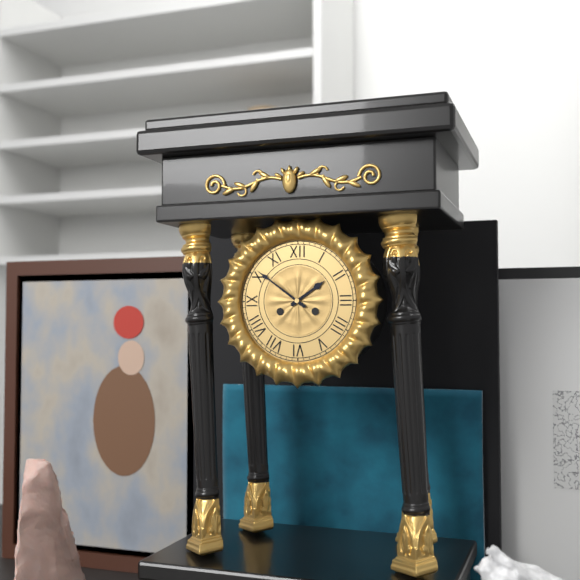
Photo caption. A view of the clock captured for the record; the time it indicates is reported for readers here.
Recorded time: 1:51
